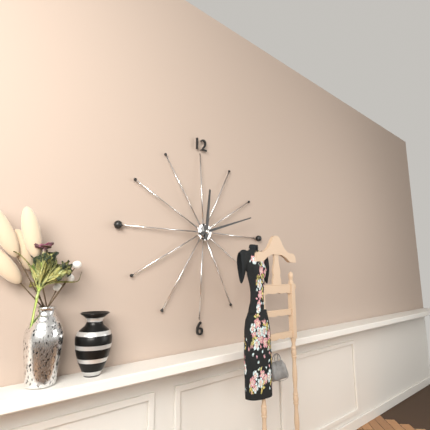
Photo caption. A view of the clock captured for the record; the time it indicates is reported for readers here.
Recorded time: 12:12
